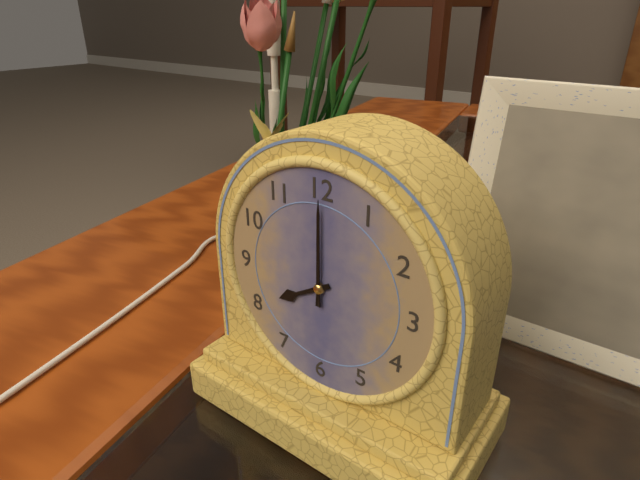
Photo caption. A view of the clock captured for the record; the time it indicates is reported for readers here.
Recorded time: 8:00
